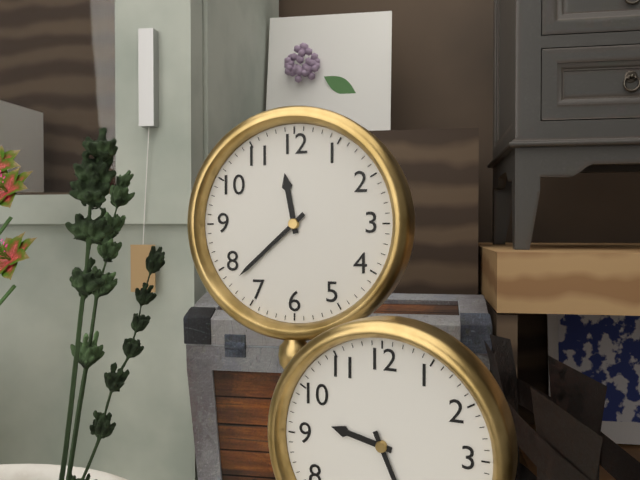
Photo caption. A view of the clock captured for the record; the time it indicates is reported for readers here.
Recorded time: 11:38
